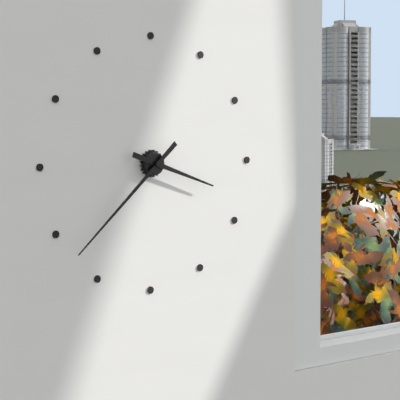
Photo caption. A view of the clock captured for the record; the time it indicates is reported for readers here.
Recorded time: 3:38
